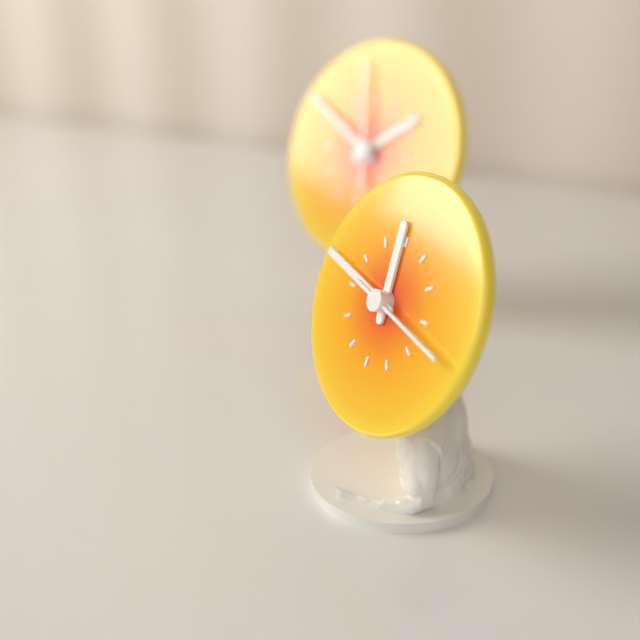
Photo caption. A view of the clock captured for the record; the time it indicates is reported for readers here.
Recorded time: 11:47:17
